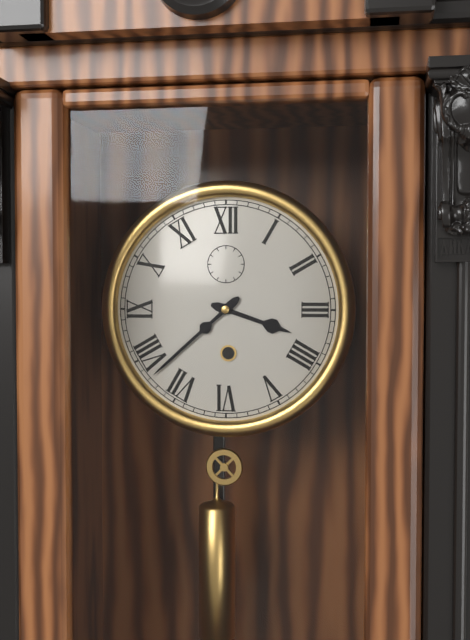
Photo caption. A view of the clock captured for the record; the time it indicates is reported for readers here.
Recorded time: 3:38
